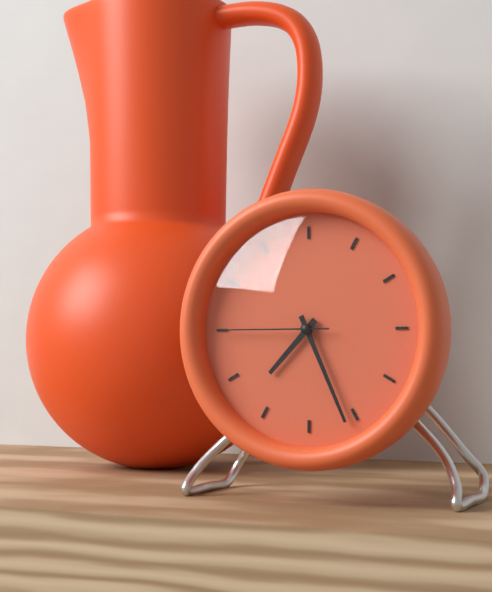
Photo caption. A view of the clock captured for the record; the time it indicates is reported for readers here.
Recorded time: 7:26:45
